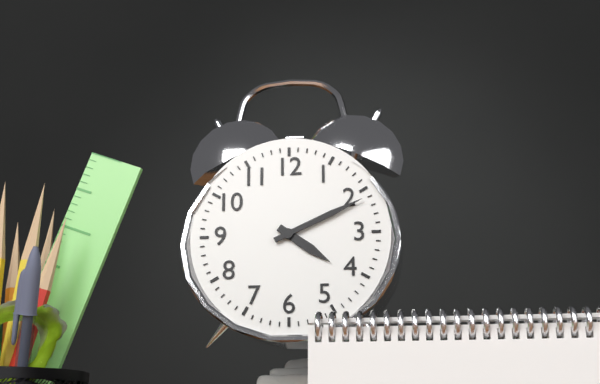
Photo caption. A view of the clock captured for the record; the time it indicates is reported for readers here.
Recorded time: 4:11
